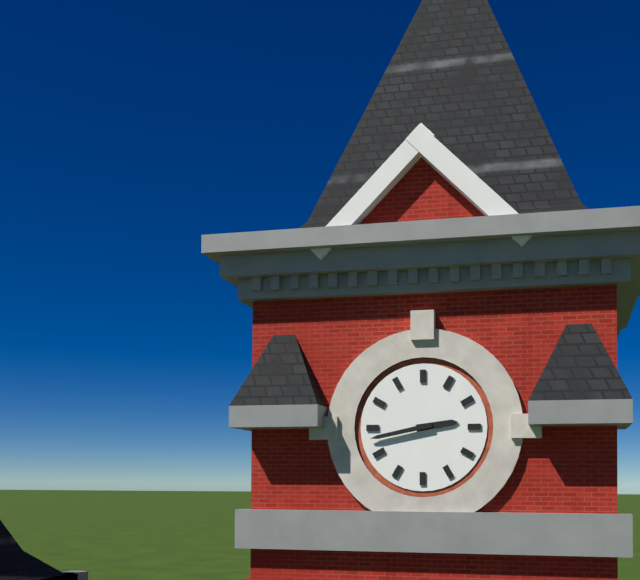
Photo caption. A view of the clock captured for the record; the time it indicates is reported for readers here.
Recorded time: 2:43
